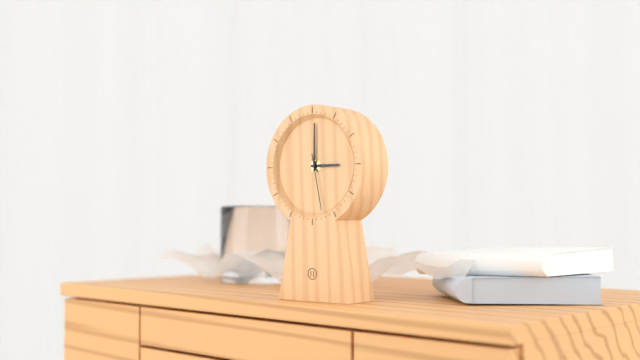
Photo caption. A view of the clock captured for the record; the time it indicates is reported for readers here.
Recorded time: 3:00:28
